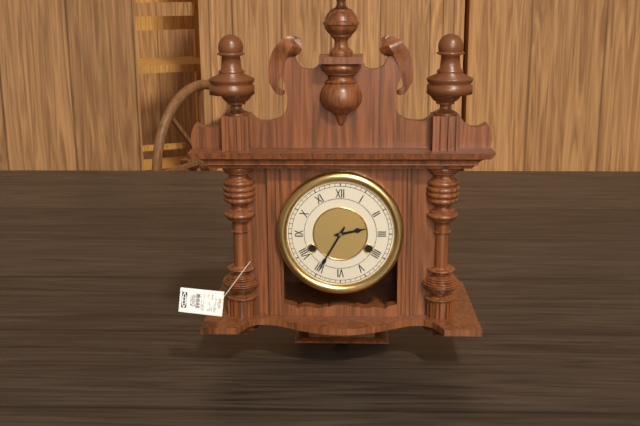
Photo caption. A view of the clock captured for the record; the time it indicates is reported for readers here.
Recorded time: 2:35
